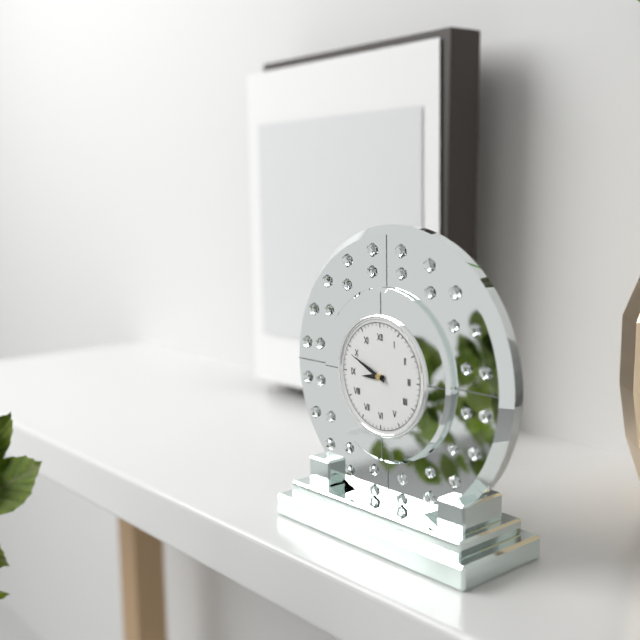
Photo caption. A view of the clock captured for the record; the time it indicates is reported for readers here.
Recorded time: 8:49
